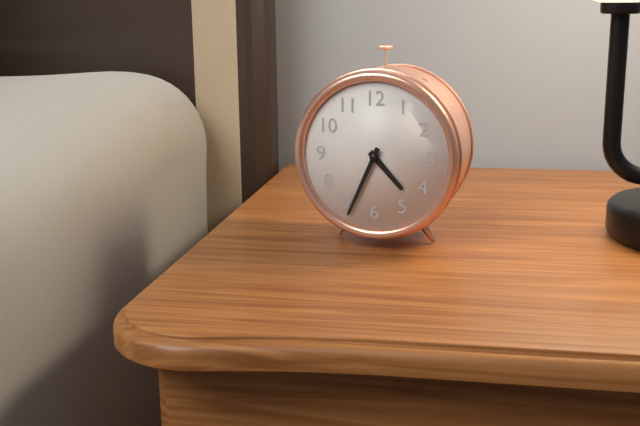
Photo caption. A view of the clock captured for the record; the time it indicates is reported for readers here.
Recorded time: 4:34
